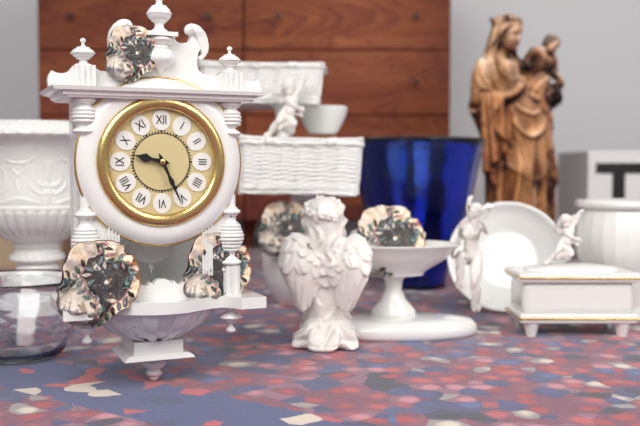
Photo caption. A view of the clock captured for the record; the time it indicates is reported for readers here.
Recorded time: 9:26
